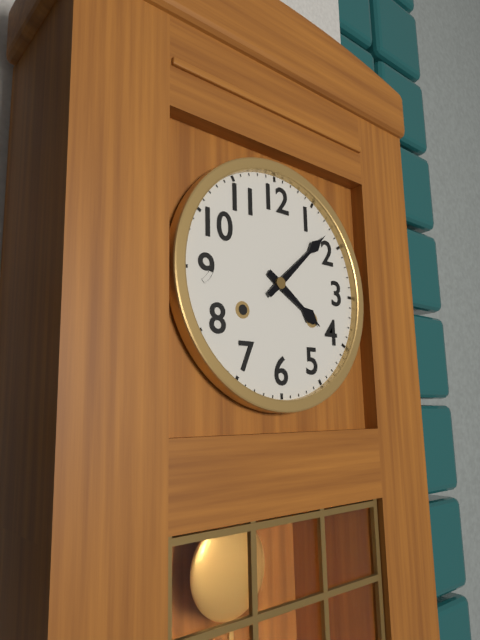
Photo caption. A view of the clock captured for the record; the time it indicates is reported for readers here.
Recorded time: 4:08
